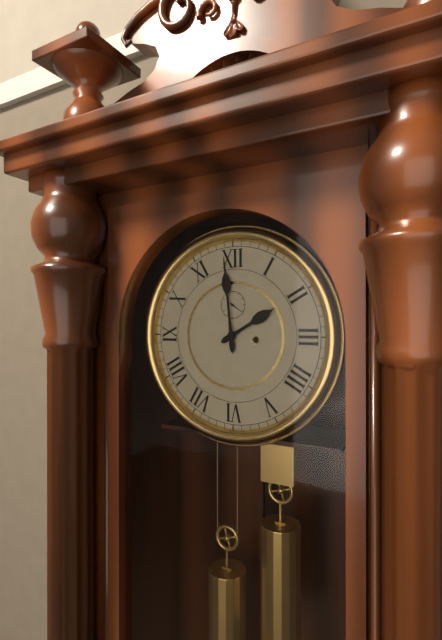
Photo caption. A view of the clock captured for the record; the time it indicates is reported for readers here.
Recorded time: 1:59
